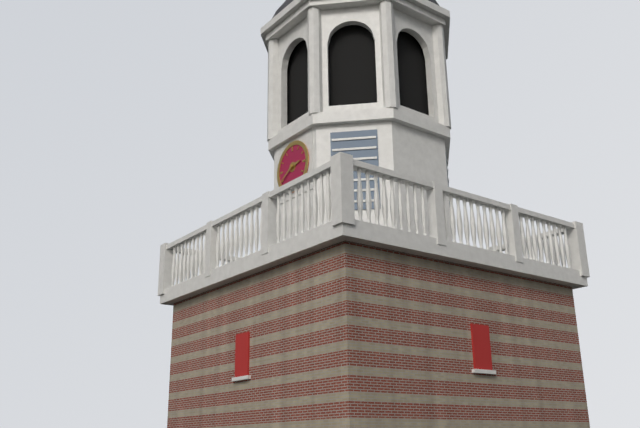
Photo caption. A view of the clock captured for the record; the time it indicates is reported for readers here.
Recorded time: 2:40
